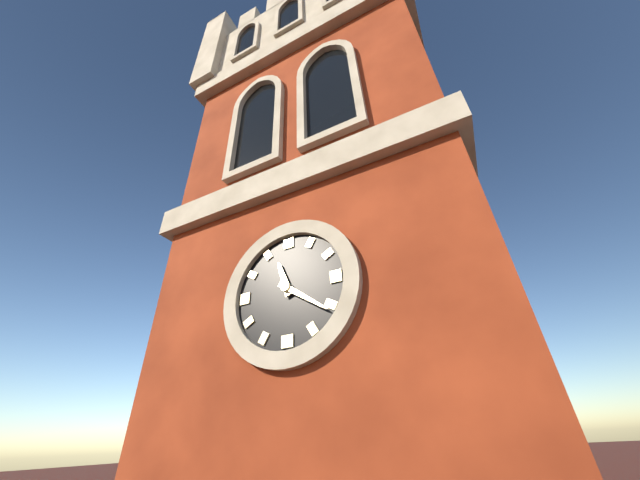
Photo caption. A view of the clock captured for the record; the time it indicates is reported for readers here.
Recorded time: 11:21
